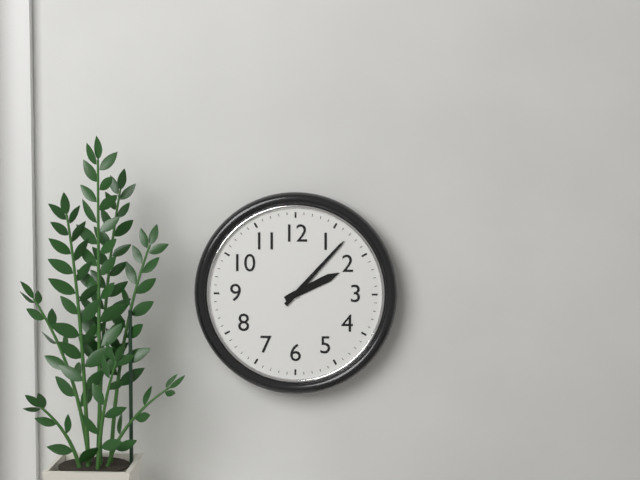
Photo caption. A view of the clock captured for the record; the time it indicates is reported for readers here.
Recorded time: 2:07
